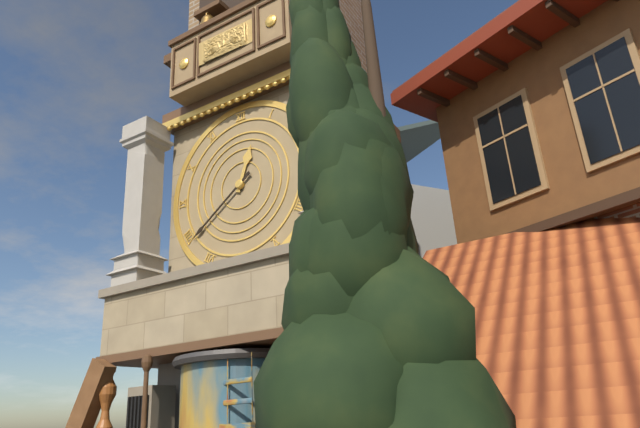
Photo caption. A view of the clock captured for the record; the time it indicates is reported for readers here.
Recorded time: 12:39
